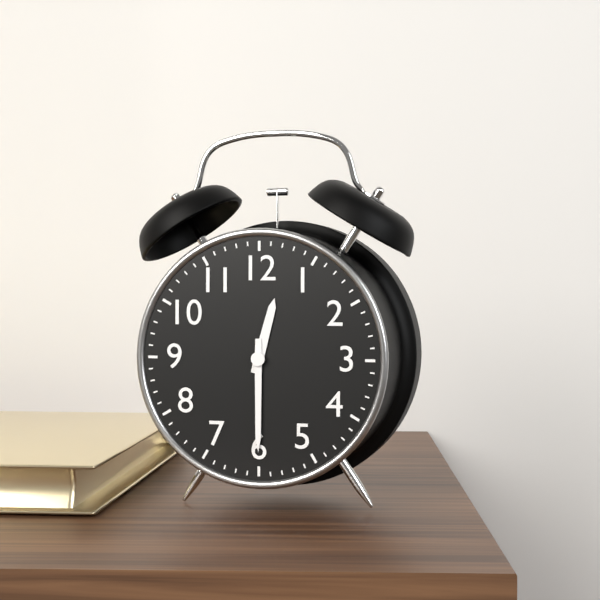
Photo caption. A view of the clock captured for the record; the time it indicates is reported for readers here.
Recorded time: 12:30
